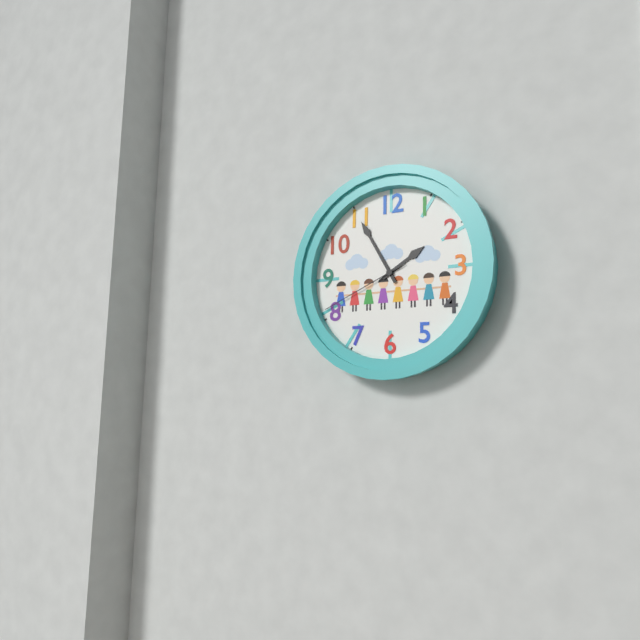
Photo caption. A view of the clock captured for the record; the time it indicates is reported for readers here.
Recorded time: 1:55:41
